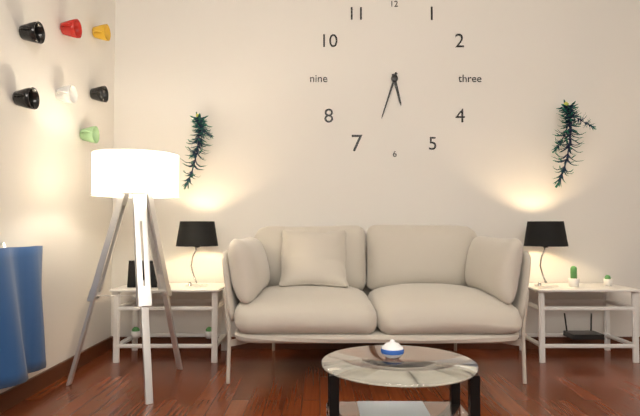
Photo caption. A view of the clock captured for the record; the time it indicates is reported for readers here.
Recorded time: 5:33
